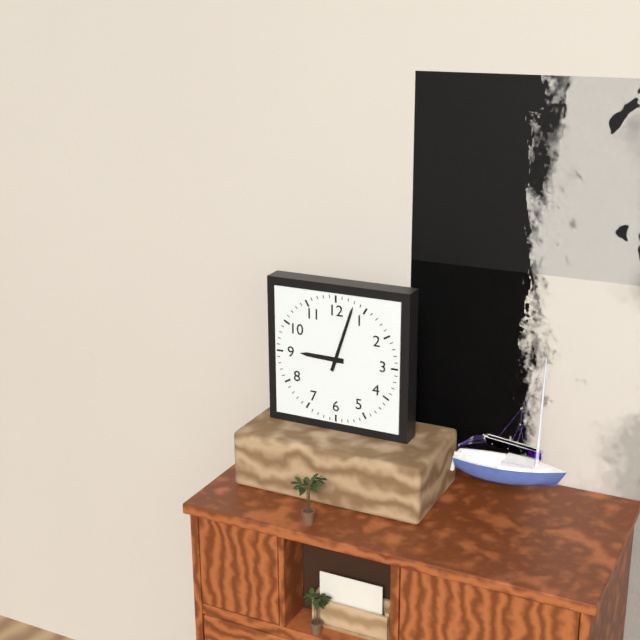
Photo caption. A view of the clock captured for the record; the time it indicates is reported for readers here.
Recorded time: 9:03
